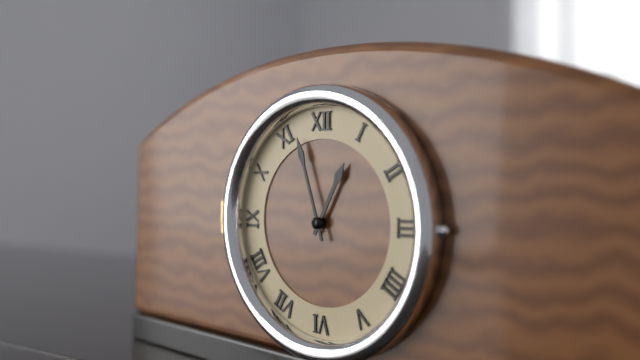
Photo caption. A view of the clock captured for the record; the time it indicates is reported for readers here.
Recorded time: 12:57
